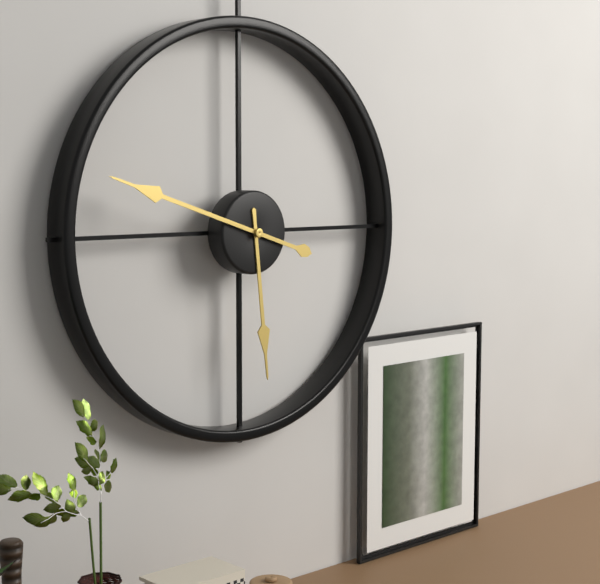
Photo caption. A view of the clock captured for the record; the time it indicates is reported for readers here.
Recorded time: 5:48
